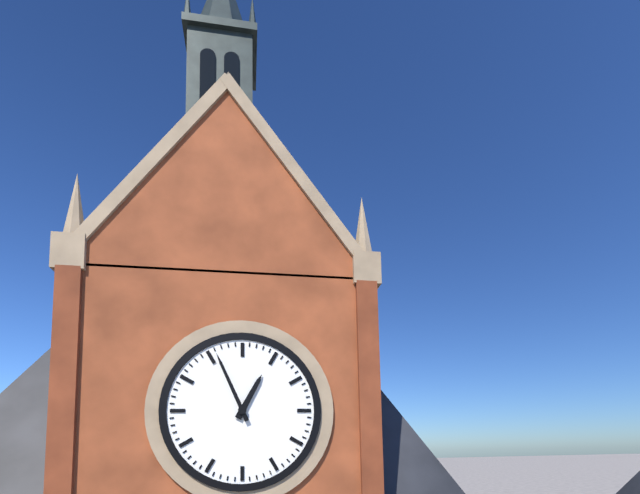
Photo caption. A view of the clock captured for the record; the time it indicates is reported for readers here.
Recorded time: 12:56
